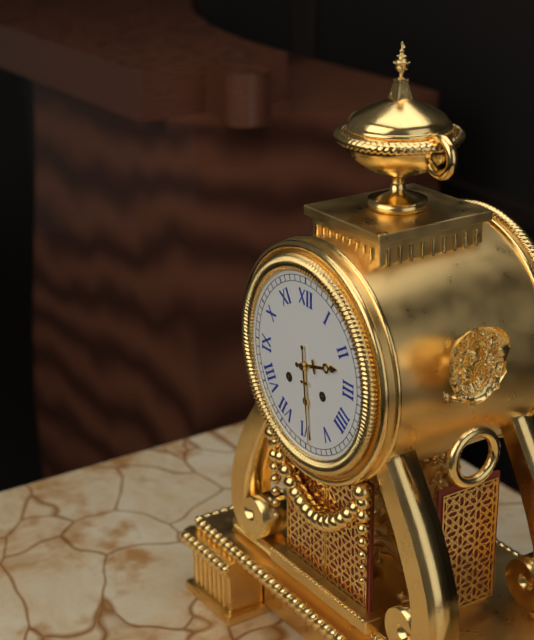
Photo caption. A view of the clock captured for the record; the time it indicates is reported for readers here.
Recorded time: 2:29
